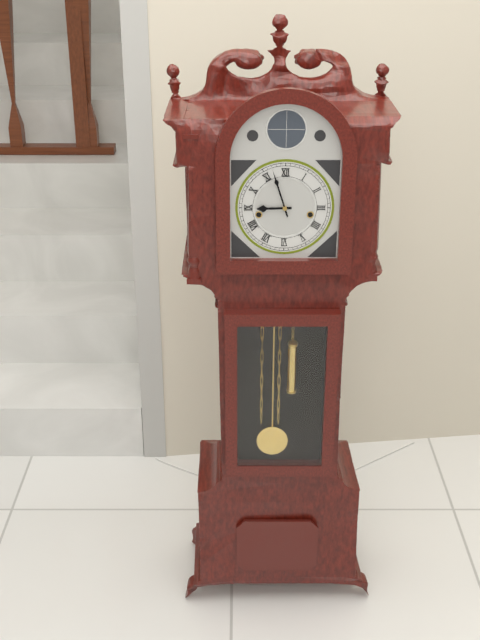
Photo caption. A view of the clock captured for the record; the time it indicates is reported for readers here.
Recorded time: 8:57
